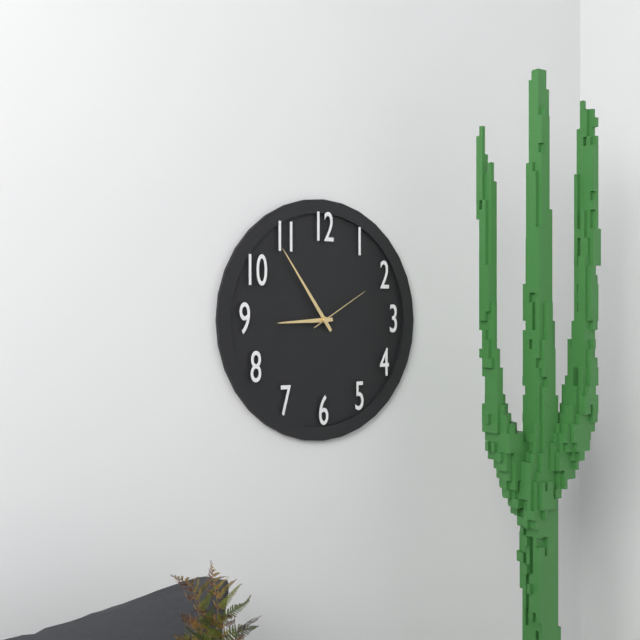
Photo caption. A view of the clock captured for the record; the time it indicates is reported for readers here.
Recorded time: 8:54:10
